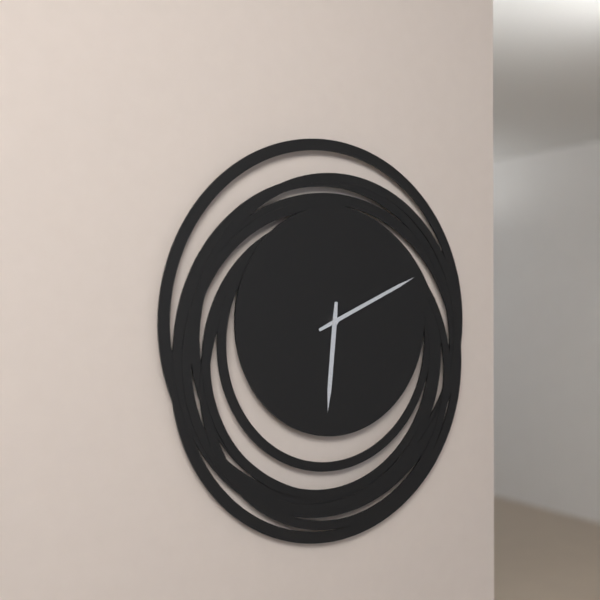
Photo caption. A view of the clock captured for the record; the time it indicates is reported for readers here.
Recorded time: 6:11
